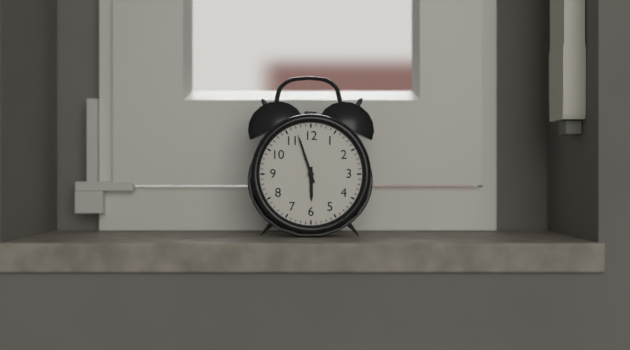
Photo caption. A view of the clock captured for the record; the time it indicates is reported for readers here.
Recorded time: 5:57
